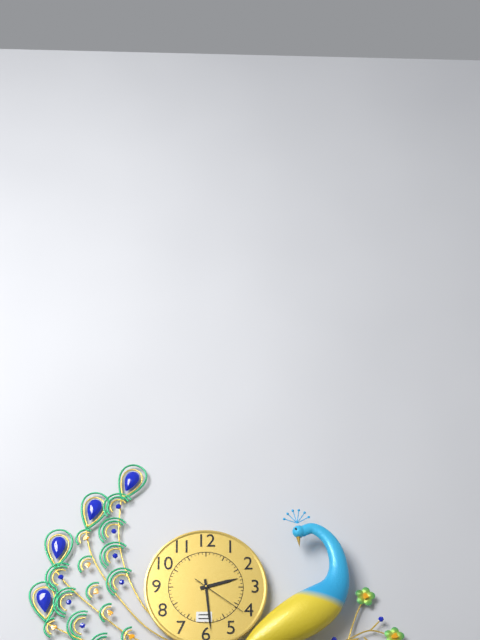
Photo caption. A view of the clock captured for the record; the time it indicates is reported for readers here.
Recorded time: 2:29:21
